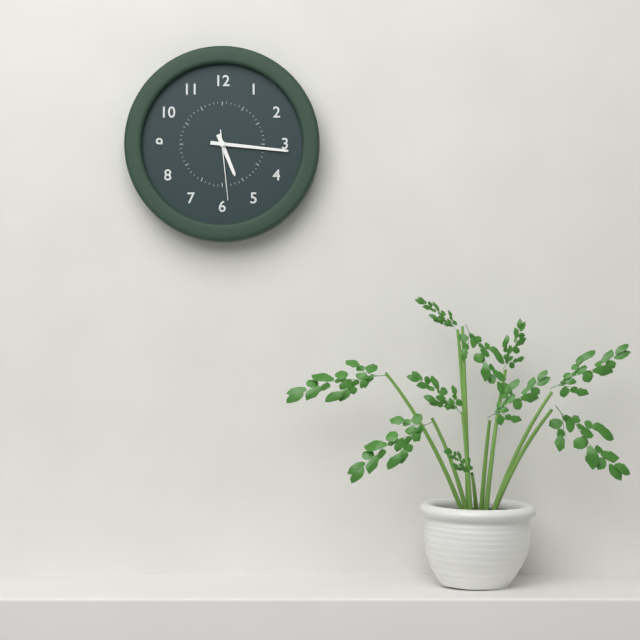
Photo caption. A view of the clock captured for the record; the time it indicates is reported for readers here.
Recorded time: 5:16:29
